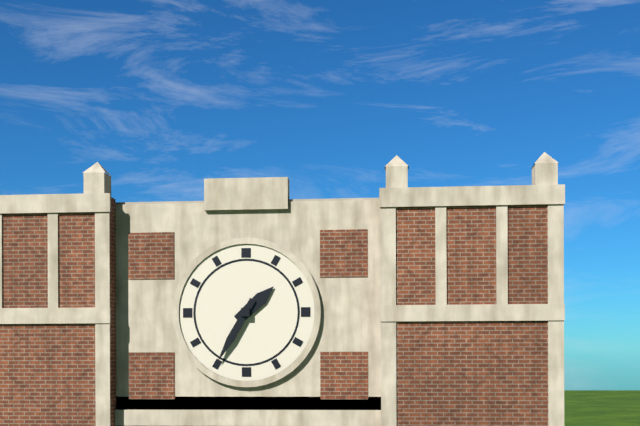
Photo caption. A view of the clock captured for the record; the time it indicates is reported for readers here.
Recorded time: 1:35
